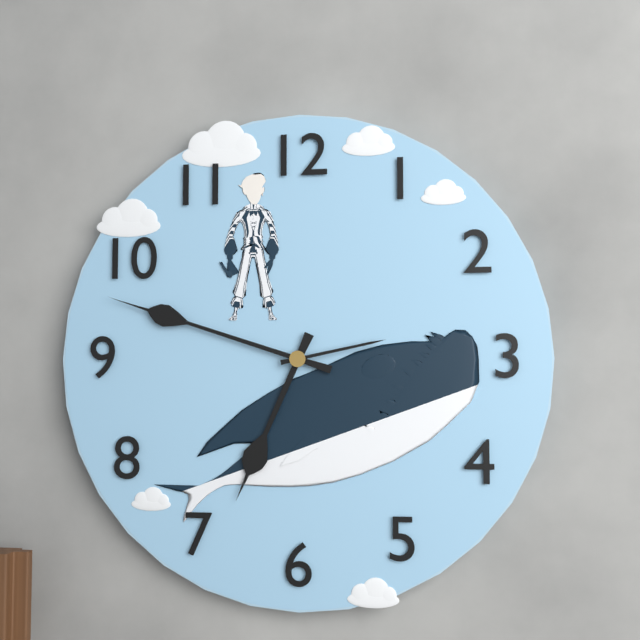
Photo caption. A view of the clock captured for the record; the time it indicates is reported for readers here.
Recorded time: 6:48:13
